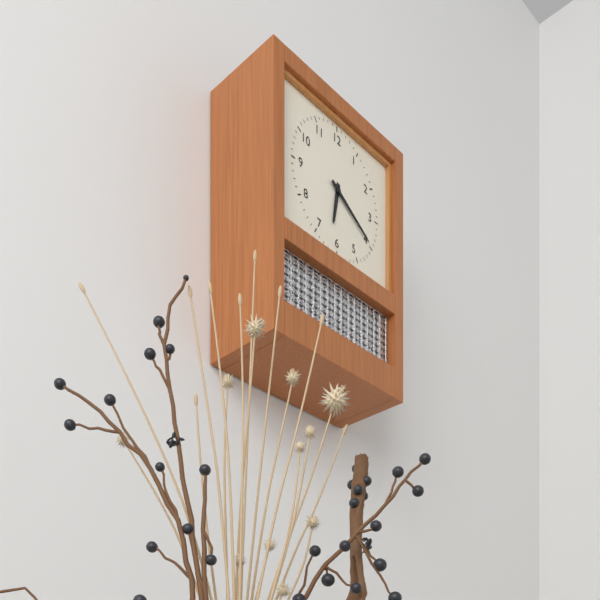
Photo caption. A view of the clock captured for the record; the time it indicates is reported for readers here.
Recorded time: 6:20
